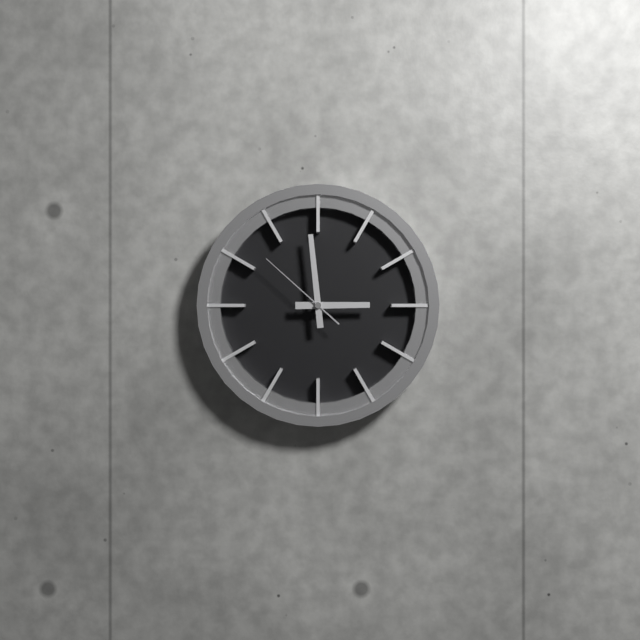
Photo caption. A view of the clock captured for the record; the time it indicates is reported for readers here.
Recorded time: 2:59:52
